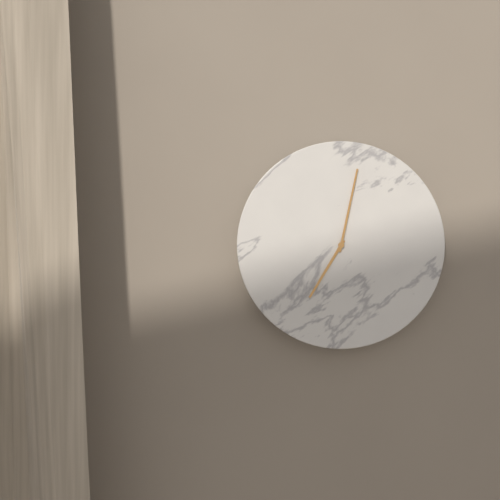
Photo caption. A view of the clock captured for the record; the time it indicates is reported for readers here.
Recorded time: 7:02
